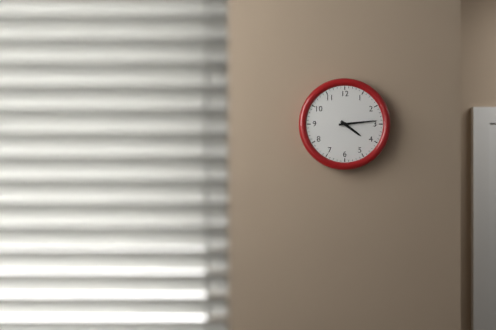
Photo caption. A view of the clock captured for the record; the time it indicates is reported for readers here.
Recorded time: 4:14
